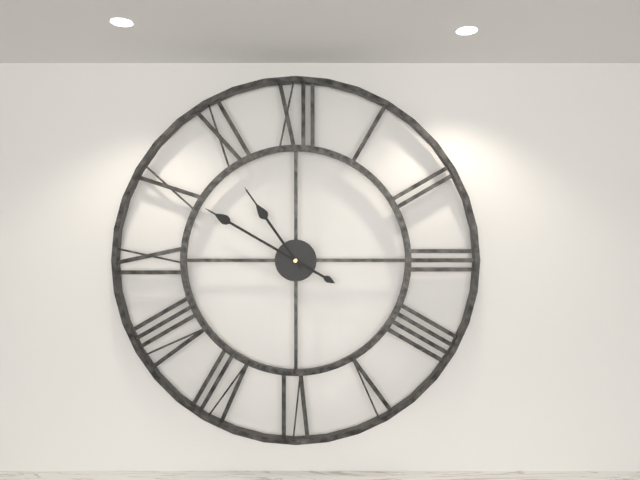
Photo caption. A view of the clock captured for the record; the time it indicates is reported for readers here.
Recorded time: 10:50
